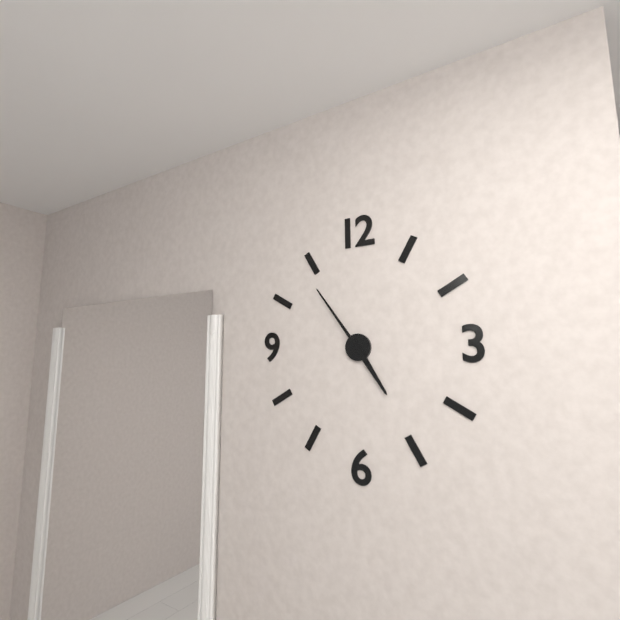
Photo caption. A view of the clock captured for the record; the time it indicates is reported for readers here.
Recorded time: 4:54
